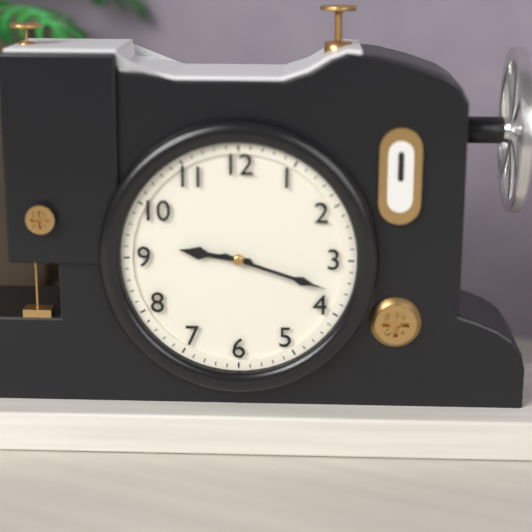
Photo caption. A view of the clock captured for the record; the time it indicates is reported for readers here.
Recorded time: 9:18
